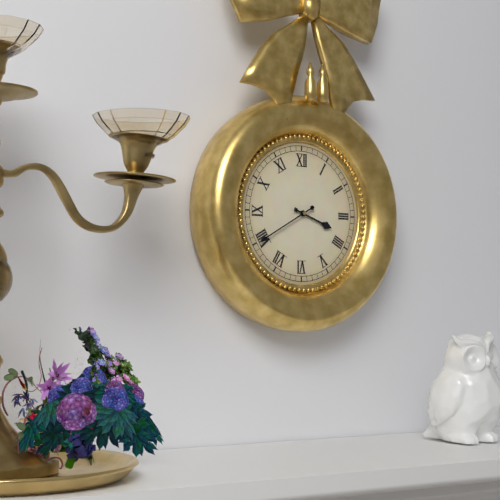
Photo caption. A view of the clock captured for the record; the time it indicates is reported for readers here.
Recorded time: 3:40
